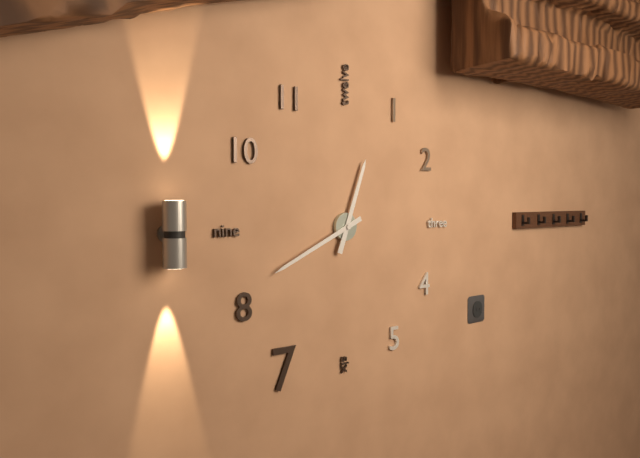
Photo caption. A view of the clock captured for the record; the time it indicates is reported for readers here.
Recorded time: 12:41
